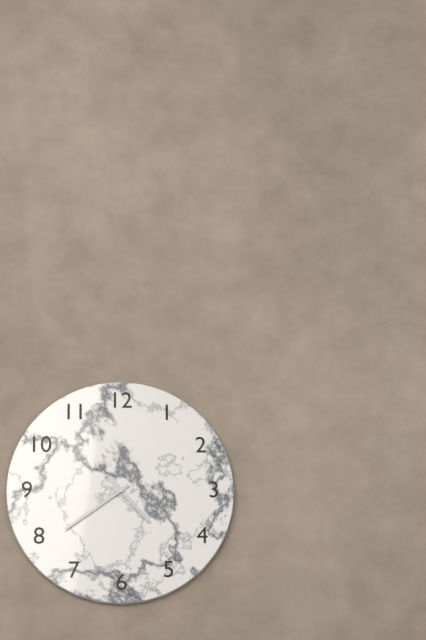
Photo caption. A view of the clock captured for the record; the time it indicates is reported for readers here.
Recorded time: 4:39
